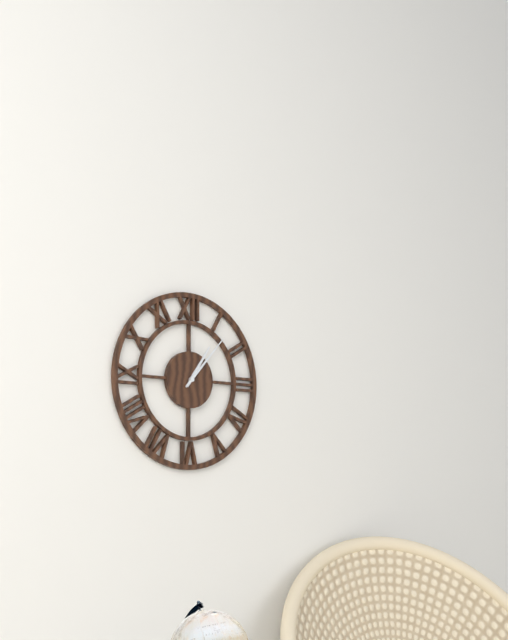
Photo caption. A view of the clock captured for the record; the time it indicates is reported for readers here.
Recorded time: 1:07
